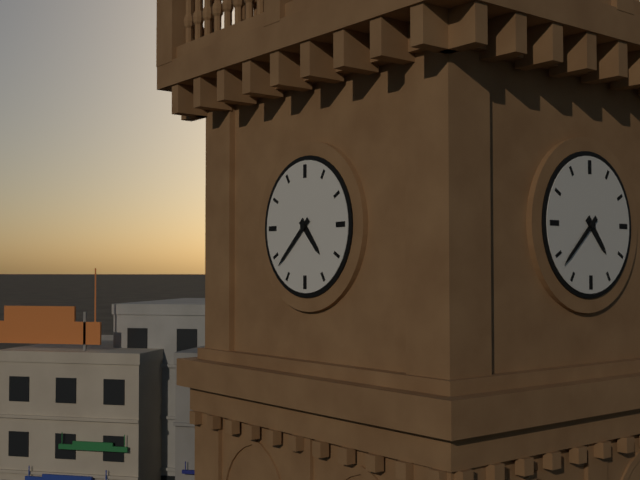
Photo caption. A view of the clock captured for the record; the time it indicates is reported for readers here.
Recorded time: 4:38
